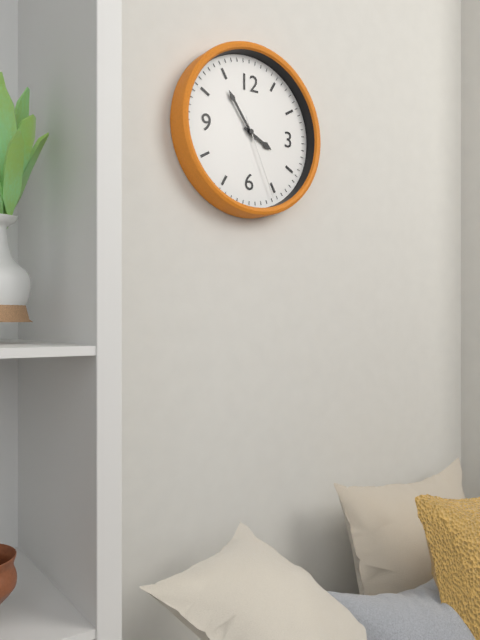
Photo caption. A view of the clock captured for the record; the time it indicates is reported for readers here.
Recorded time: 3:54:26
